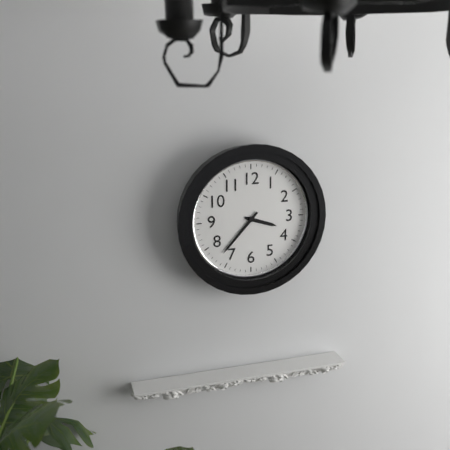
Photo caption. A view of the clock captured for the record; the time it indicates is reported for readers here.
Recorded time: 3:37
